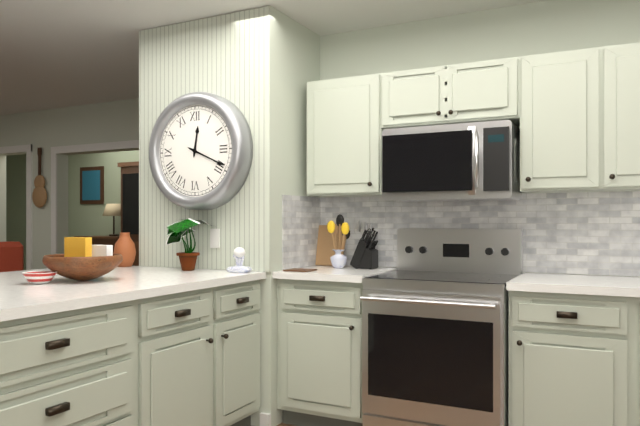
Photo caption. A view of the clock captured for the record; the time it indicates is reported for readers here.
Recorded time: 12:19
